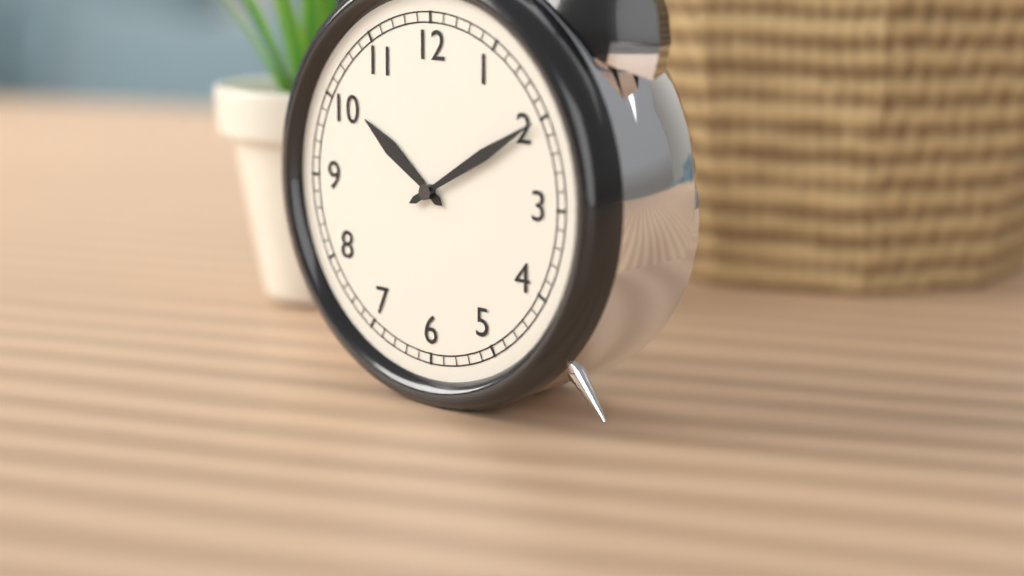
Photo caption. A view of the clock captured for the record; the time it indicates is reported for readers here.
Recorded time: 10:10
